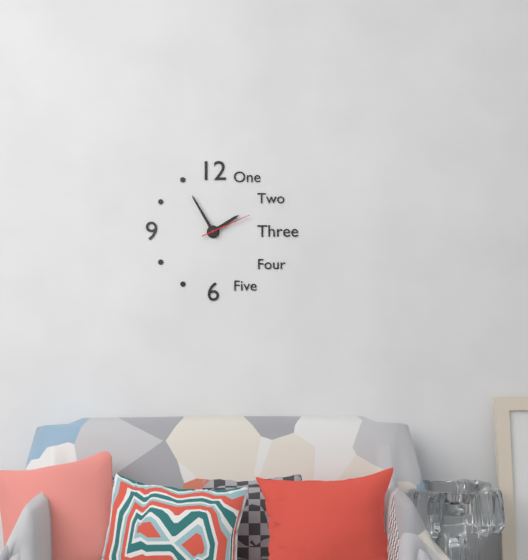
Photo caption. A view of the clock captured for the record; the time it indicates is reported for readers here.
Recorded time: 1:55:11
